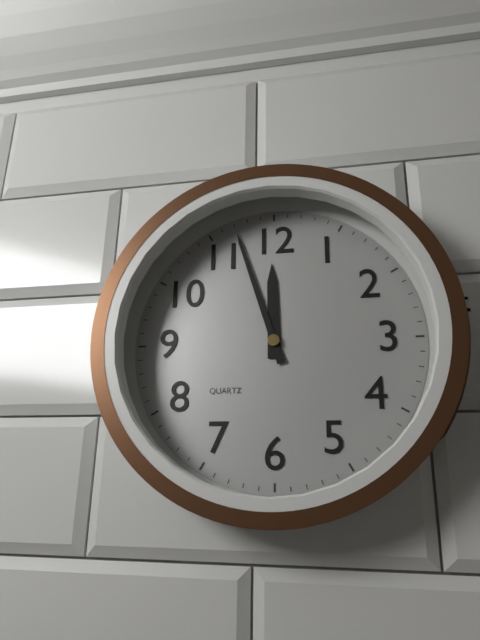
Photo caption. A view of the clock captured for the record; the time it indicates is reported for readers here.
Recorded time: 11:57
